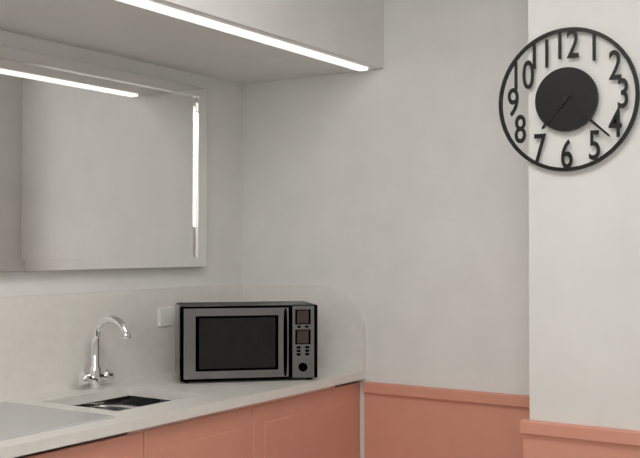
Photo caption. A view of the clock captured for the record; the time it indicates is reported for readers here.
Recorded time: 7:22
